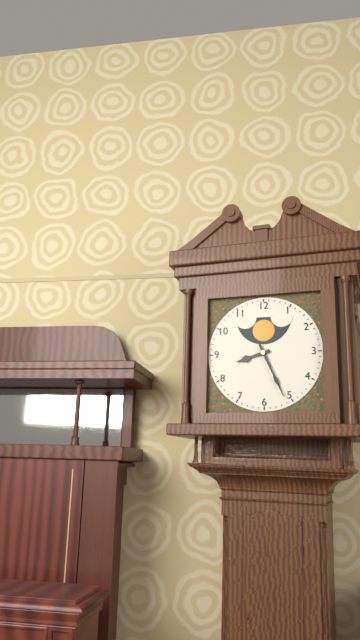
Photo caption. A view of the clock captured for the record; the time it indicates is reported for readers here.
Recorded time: 8:26
